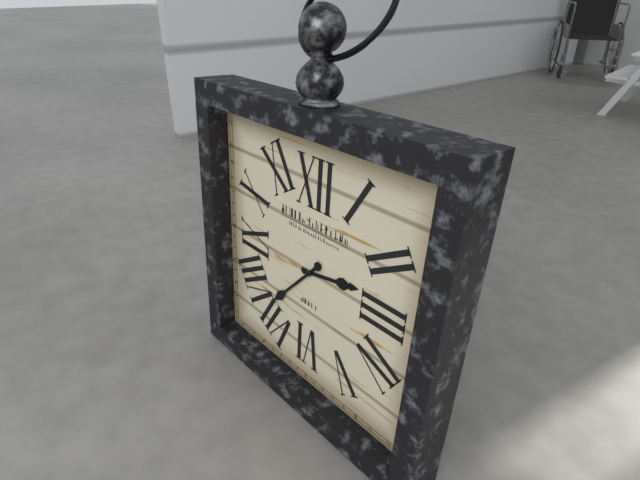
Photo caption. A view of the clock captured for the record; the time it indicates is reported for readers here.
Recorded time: 2:37
